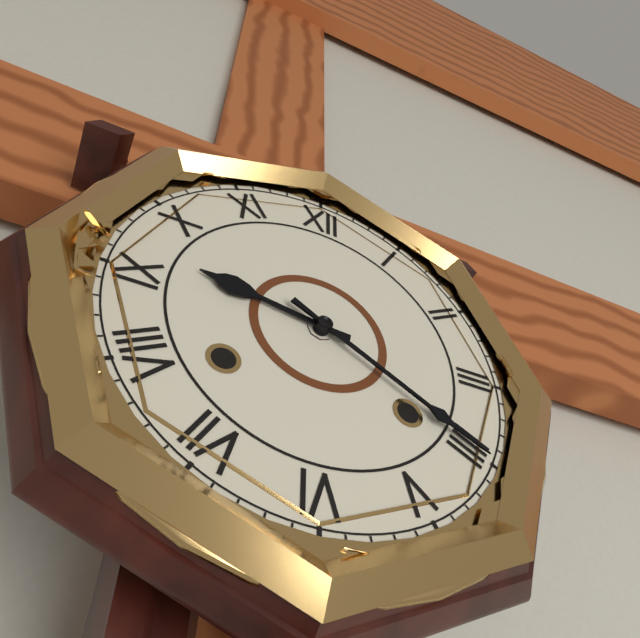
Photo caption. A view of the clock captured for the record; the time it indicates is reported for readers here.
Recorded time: 9:20
